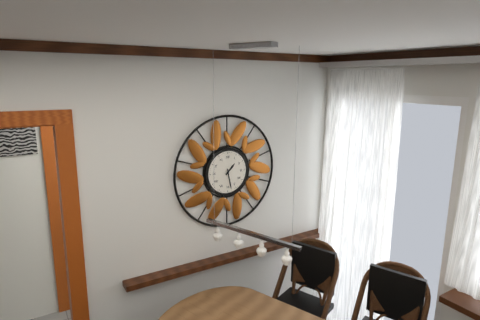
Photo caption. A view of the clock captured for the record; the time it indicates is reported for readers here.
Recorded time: 1:28
